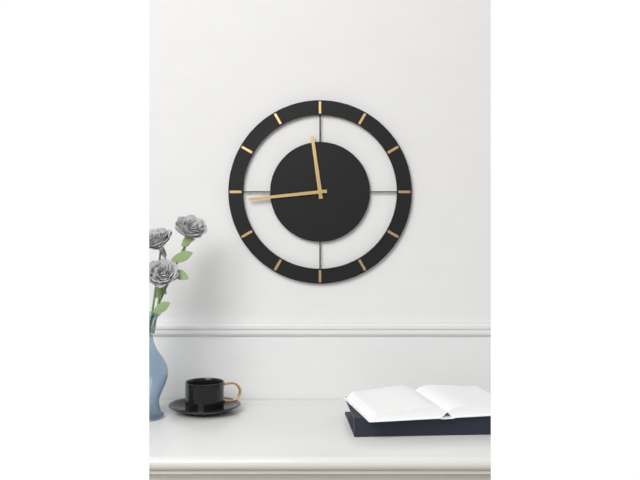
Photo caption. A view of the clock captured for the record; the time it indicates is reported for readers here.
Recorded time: 11:44
